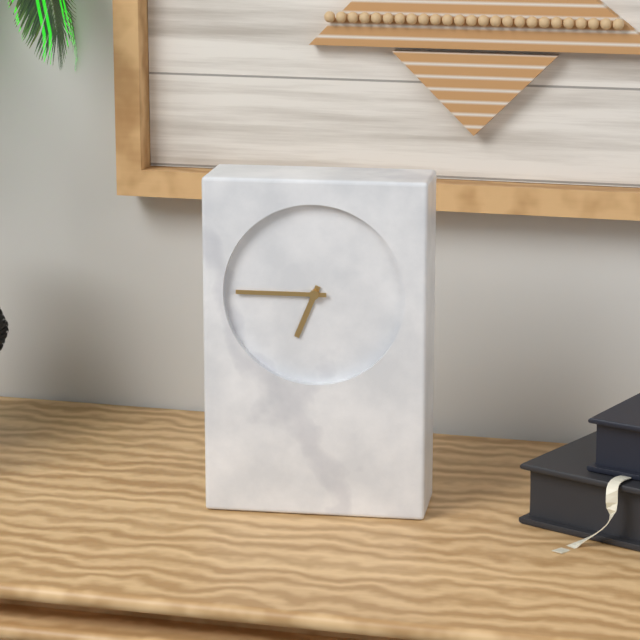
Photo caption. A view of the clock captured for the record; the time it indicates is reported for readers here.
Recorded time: 6:45
